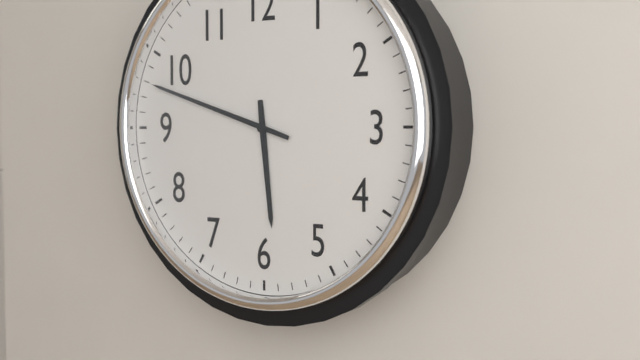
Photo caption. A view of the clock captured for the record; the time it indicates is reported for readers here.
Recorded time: 5:48
